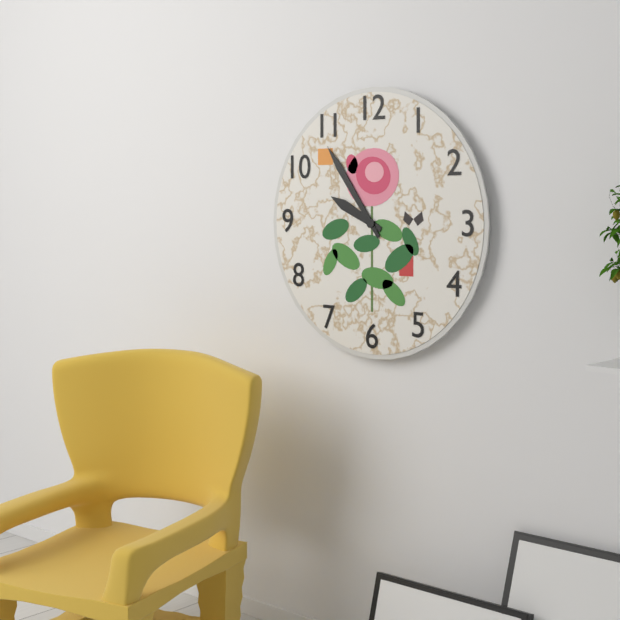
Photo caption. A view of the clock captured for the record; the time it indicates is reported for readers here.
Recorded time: 9:54
